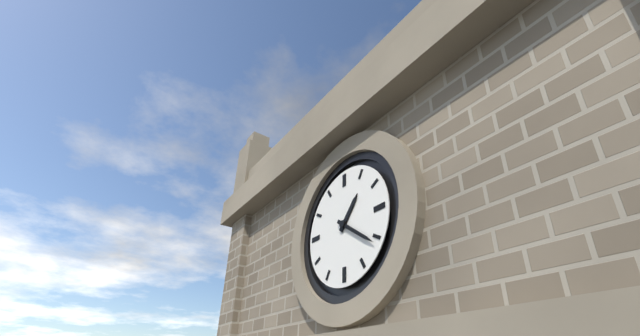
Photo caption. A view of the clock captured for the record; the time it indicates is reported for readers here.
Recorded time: 1:21
